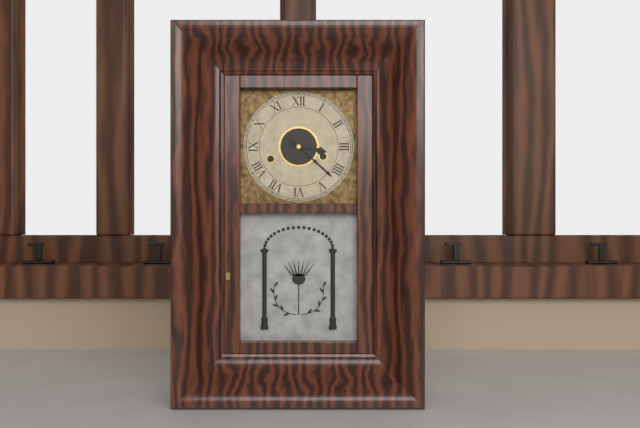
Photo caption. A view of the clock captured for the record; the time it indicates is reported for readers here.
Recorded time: 3:22
